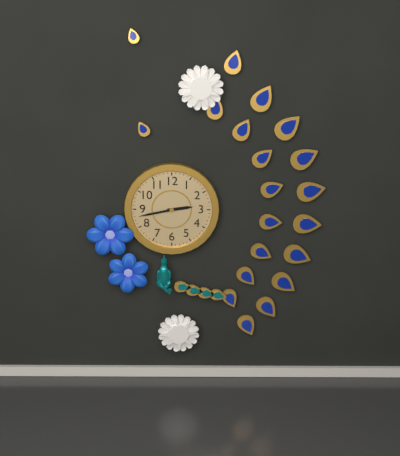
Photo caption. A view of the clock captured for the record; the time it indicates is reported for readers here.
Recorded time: 2:43
